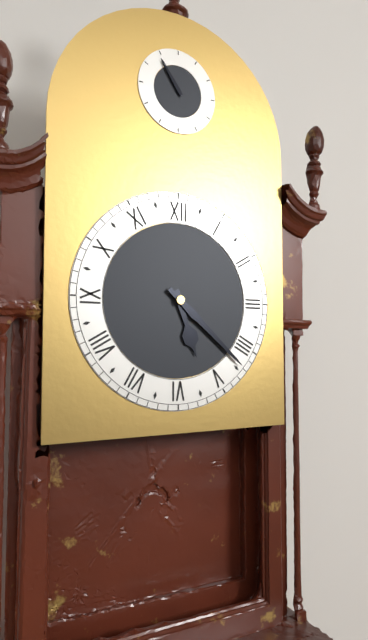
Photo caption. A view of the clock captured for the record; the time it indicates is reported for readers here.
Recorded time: 5:22
